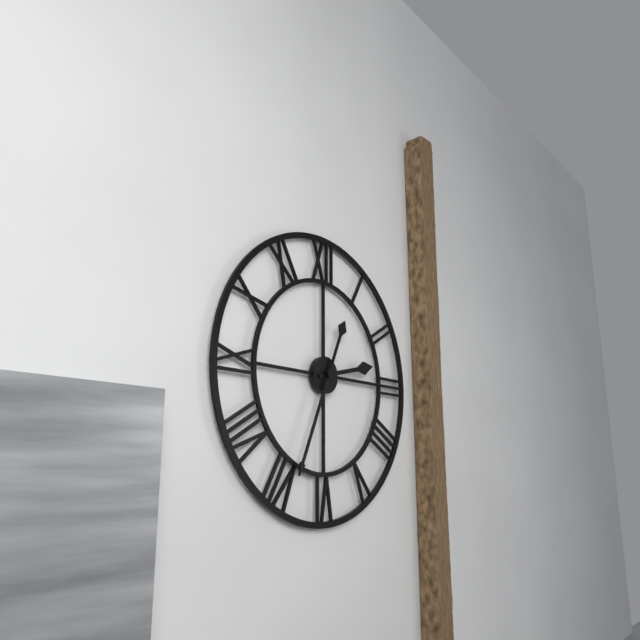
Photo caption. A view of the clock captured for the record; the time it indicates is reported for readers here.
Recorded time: 2:34
